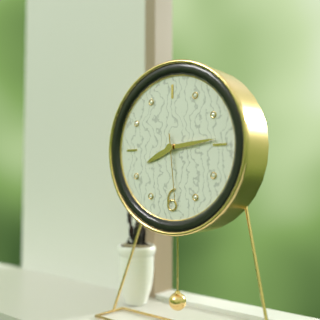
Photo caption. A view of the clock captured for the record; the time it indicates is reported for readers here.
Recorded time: 8:14:29
